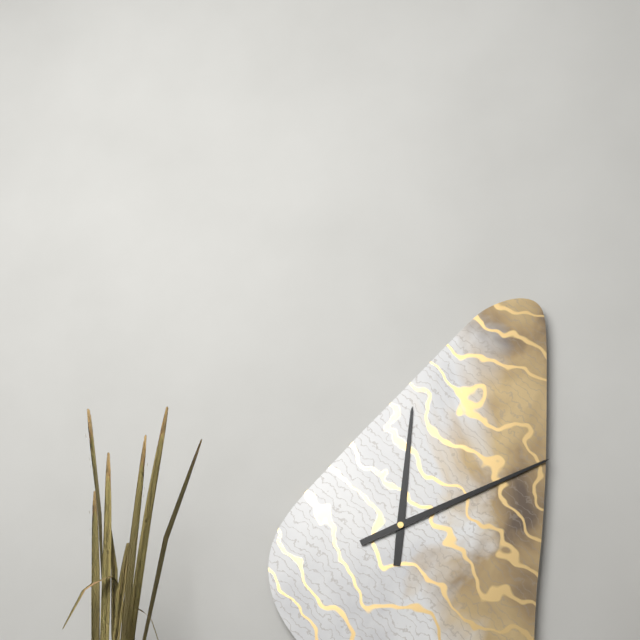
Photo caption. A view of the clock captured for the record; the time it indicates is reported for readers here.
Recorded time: 12:11
